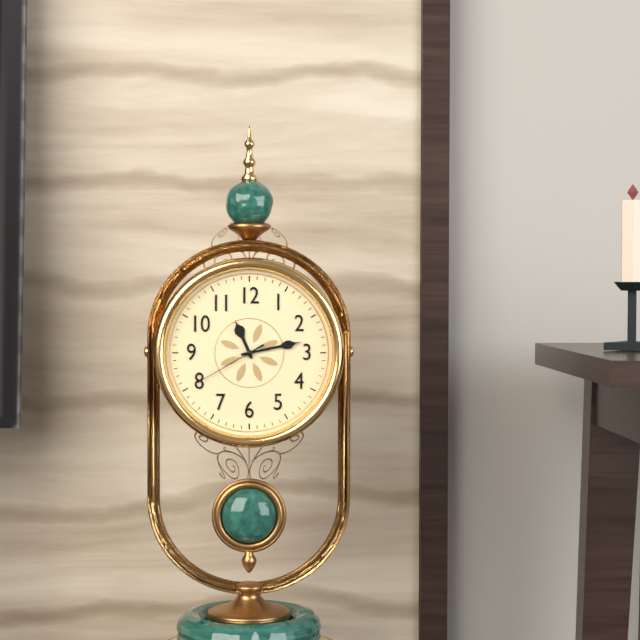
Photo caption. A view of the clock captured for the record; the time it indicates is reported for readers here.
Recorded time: 11:13:40
